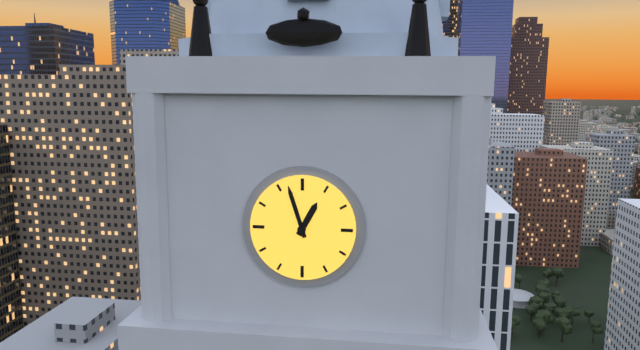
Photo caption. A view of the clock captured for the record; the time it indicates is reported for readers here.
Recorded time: 12:57
